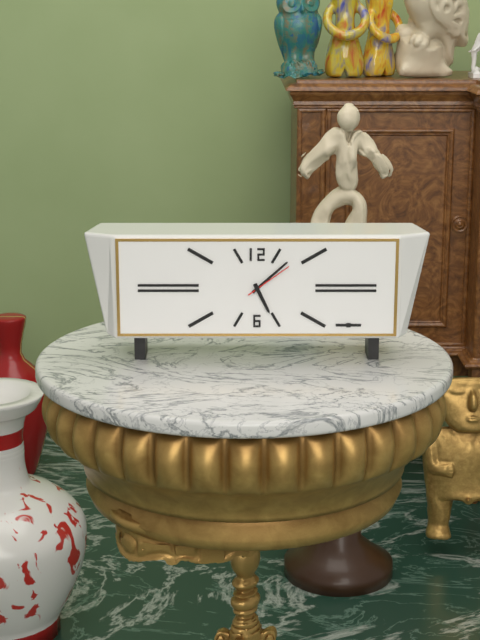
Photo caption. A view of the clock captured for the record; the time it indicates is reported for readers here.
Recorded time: 5:08
